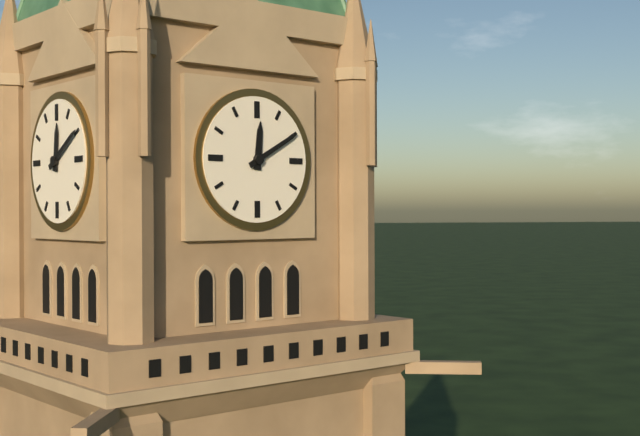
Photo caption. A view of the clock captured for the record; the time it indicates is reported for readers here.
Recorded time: 12:10
